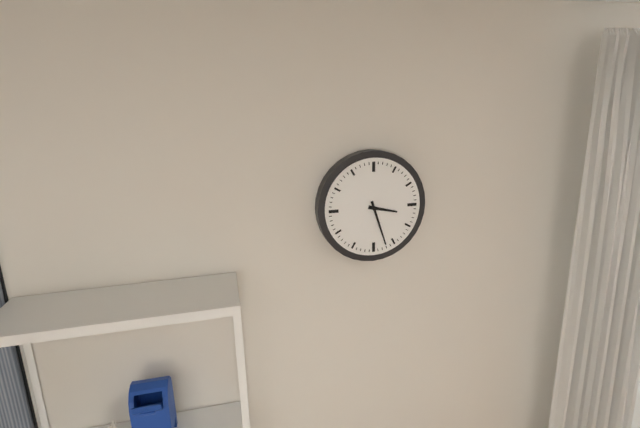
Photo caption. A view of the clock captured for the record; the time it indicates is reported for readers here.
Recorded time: 3:27
